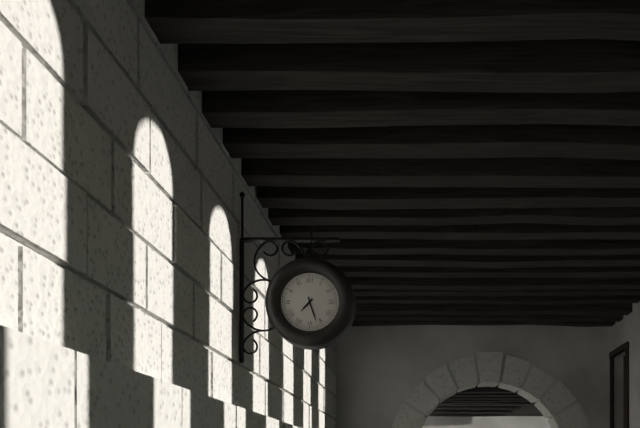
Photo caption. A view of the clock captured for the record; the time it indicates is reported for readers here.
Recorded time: 7:27
